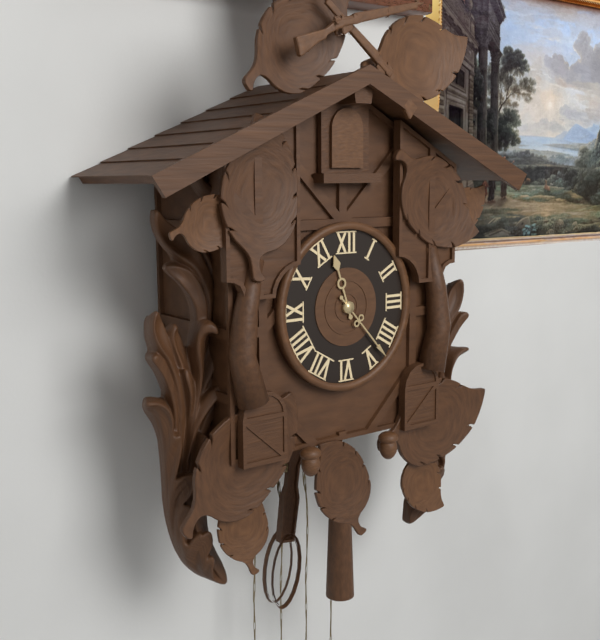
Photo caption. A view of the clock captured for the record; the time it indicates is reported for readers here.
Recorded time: 11:23
